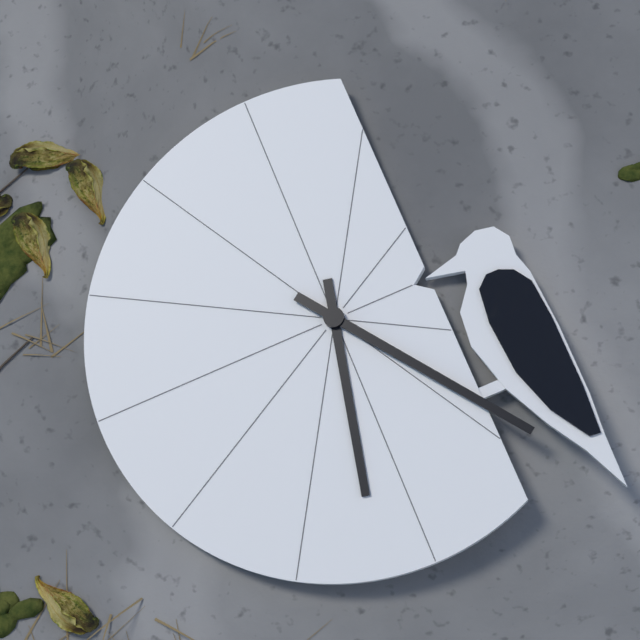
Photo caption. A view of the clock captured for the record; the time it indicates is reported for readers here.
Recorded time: 6:24
